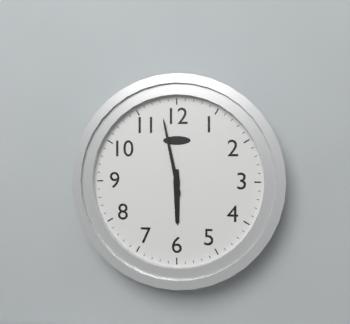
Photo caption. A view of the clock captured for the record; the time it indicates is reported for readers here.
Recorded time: 5:58
